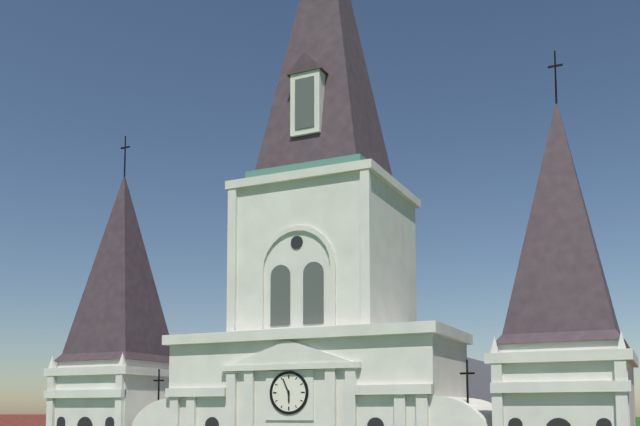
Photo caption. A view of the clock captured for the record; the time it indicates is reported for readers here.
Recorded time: 5:56
